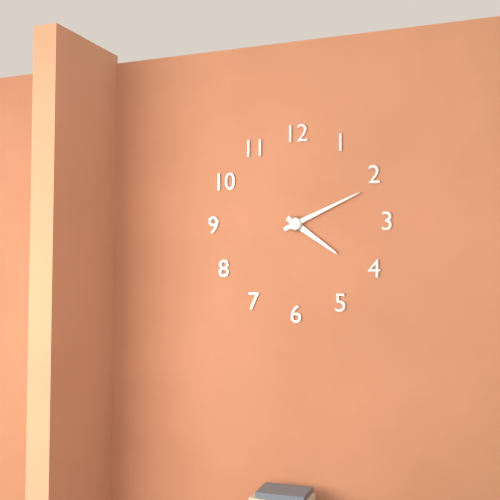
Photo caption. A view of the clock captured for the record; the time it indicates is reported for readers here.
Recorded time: 4:11
